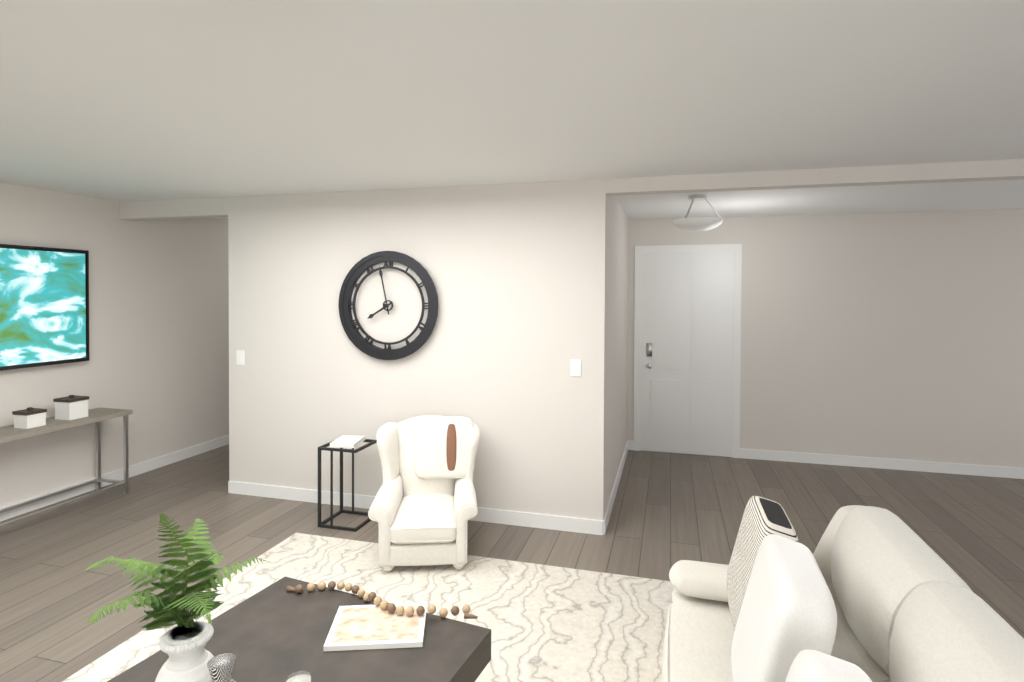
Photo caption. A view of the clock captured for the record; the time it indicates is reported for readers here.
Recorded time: 7:58
